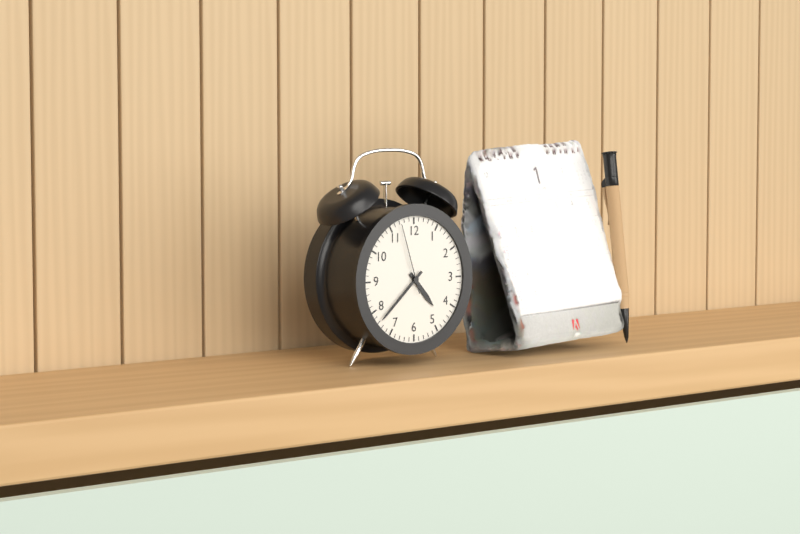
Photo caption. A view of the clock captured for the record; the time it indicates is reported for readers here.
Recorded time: 4:38:57
